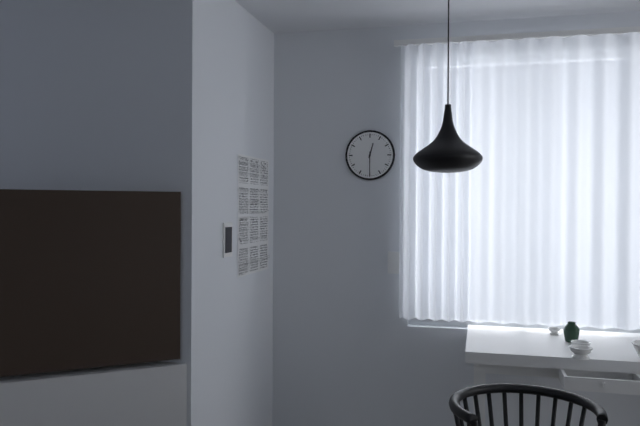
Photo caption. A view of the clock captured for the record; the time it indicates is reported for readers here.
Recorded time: 12:30
